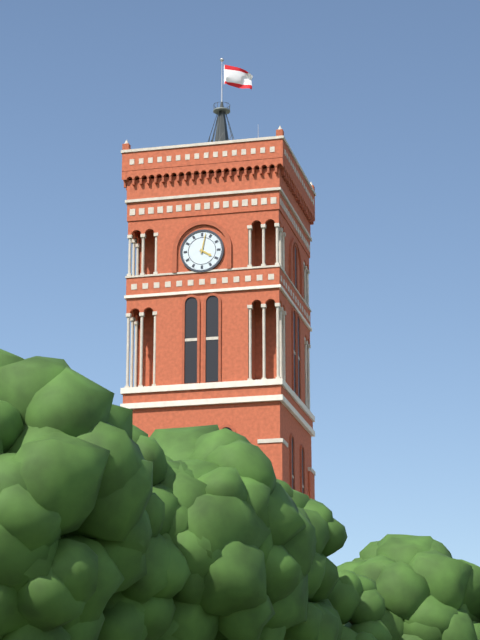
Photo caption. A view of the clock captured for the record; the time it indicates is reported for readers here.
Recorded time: 4:02
